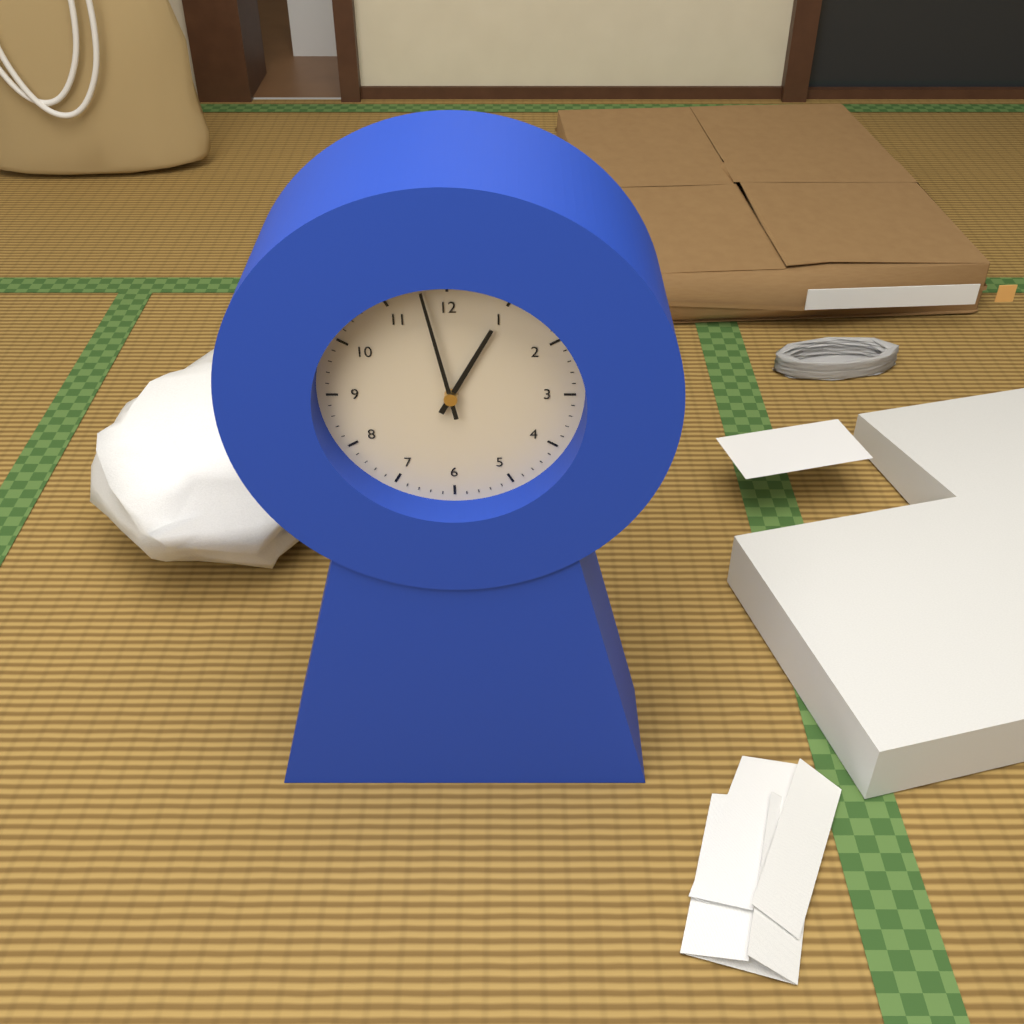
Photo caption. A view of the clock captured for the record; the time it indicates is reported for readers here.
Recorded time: 12:58
